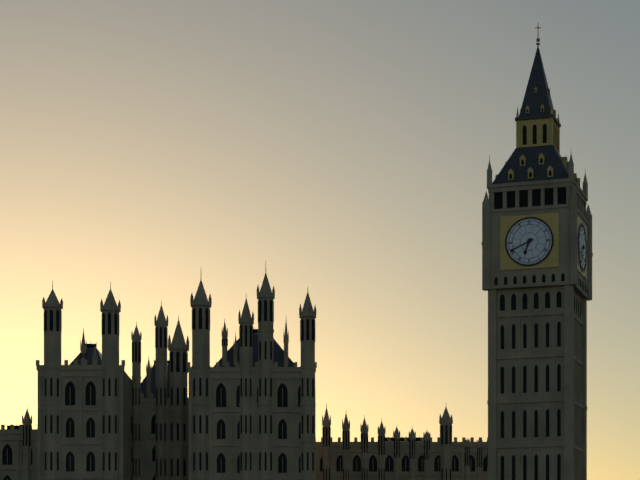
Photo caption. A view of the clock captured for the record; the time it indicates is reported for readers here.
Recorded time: 6:41
